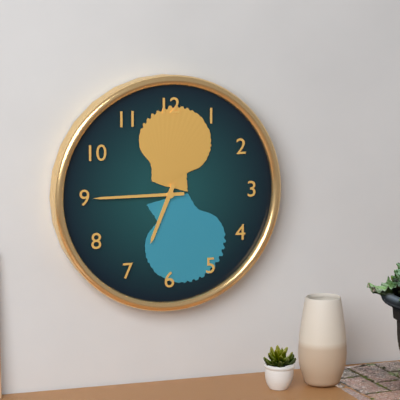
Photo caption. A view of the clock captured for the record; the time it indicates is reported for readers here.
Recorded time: 6:45
